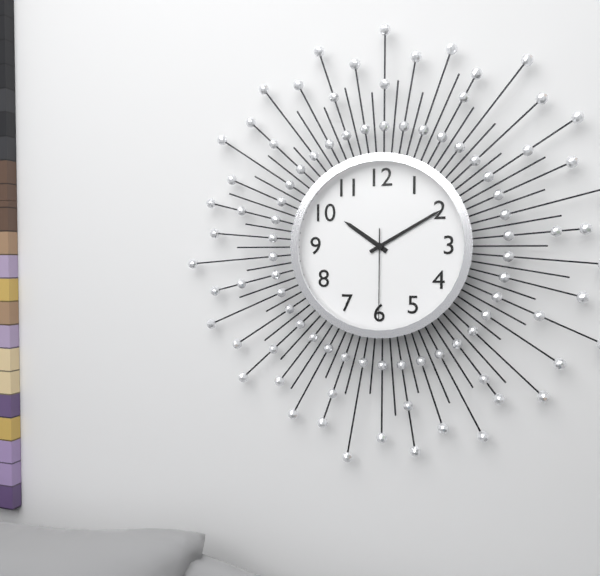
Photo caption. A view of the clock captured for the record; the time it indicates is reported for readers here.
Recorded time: 10:10:30
